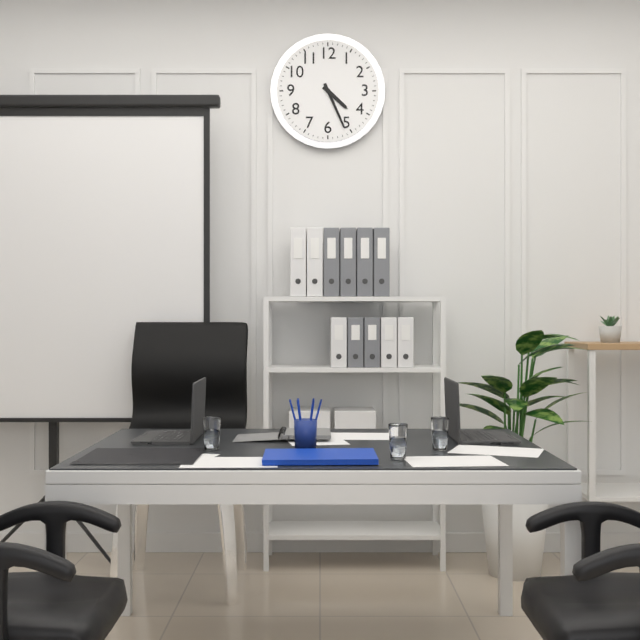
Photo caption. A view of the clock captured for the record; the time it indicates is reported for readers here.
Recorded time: 4:26
